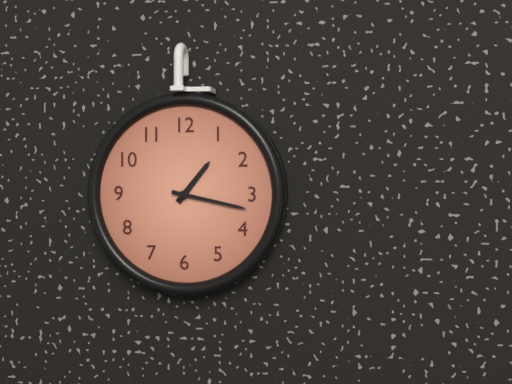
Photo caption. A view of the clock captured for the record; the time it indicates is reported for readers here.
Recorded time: 1:17
